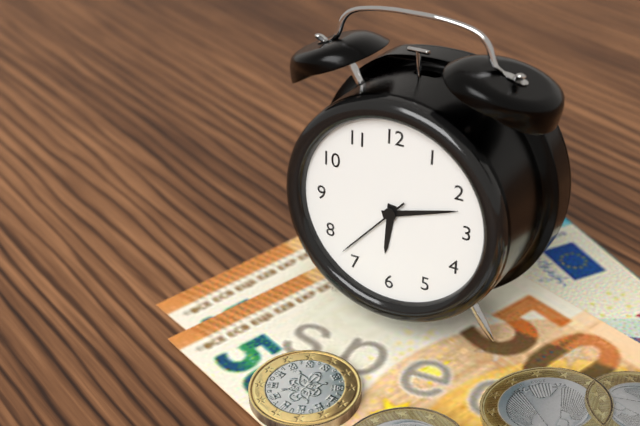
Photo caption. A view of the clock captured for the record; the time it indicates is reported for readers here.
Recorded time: 6:12:37
